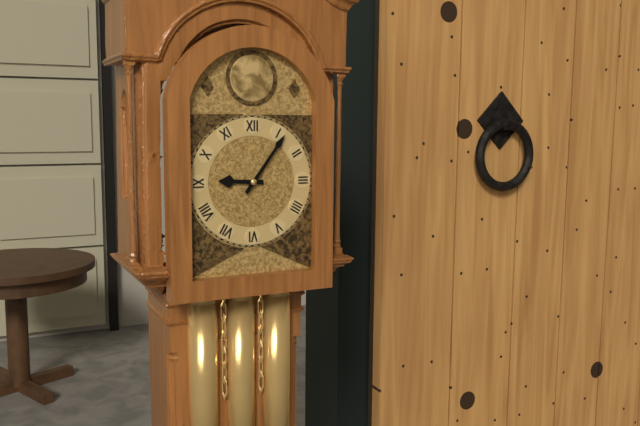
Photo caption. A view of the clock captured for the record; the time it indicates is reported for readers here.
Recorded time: 9:06
